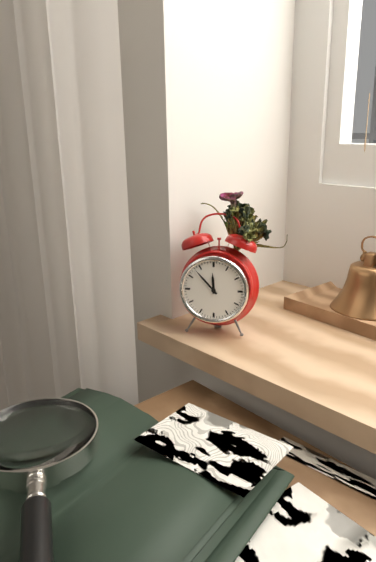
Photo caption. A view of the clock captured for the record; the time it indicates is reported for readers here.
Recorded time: 11:53
